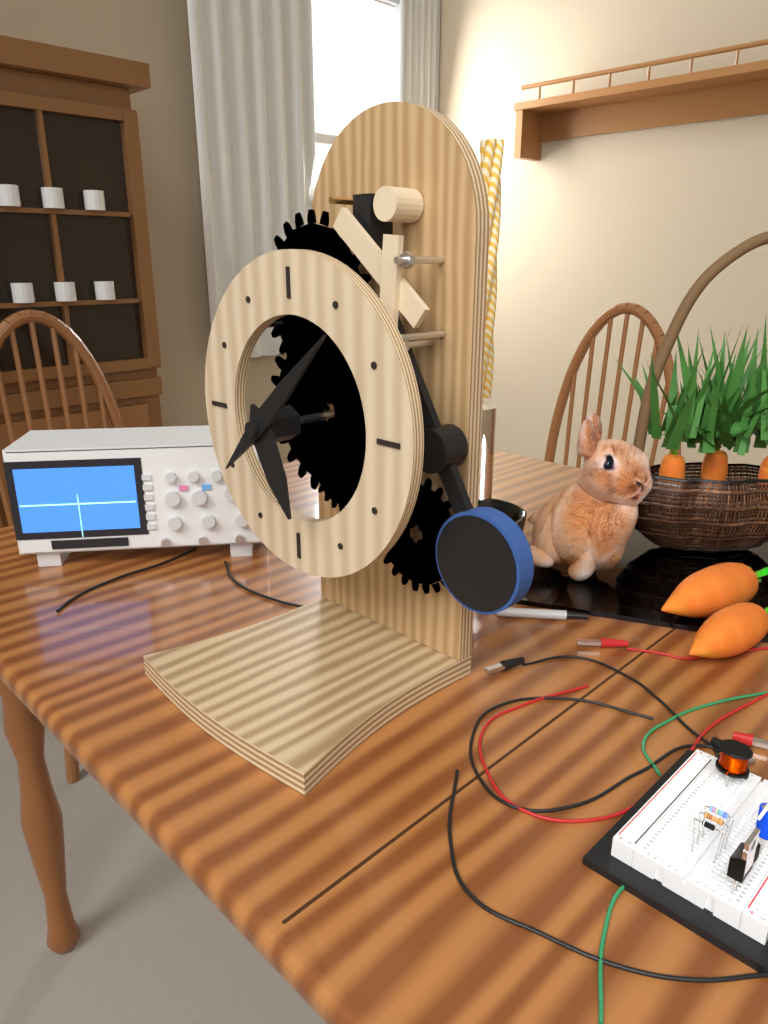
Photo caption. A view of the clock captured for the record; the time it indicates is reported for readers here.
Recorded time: 5:08
